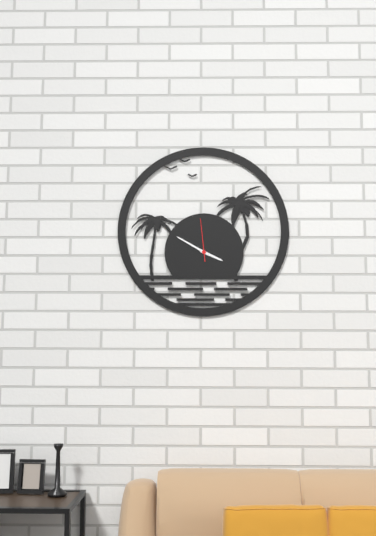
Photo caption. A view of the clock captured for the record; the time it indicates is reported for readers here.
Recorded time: 3:50
